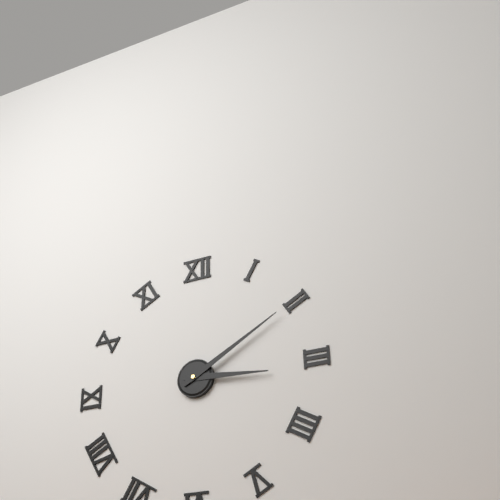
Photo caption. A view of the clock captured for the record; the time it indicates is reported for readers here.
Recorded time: 3:10
